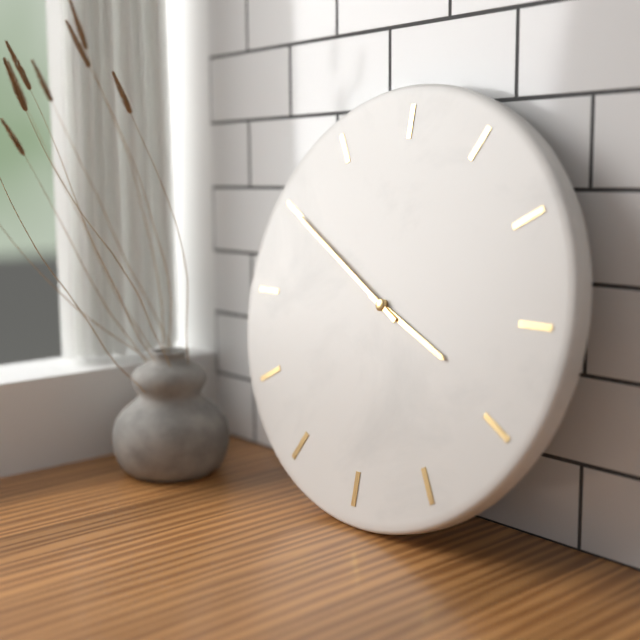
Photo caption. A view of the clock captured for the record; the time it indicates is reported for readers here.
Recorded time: 3:50
